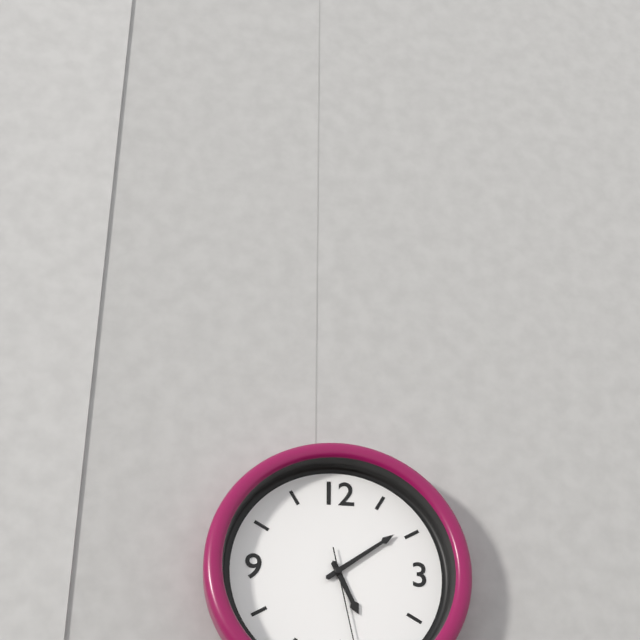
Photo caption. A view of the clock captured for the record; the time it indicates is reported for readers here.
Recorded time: 5:09
